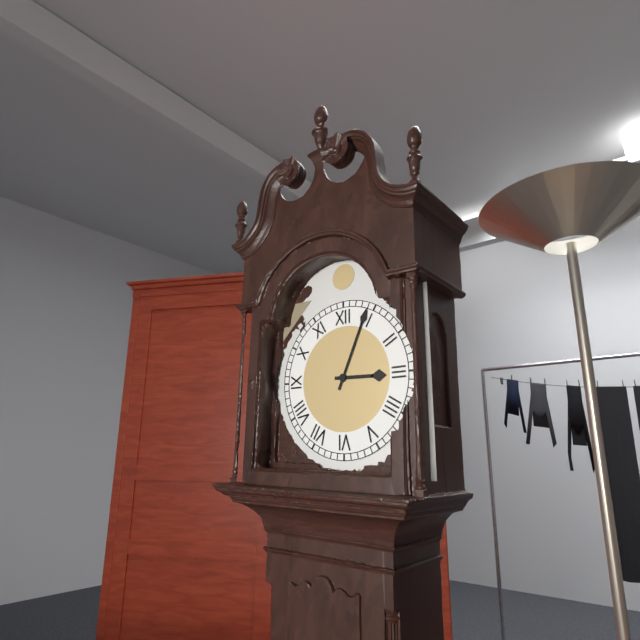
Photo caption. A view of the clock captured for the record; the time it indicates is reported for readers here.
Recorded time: 3:04
